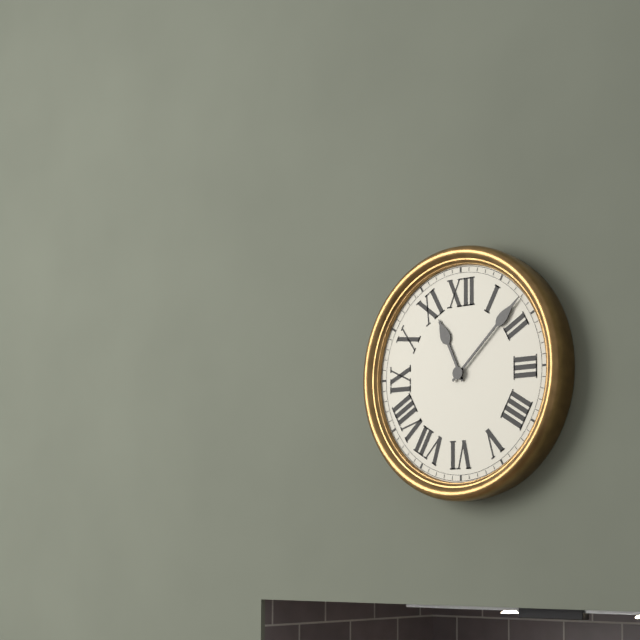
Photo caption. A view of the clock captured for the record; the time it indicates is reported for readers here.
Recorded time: 11:08
